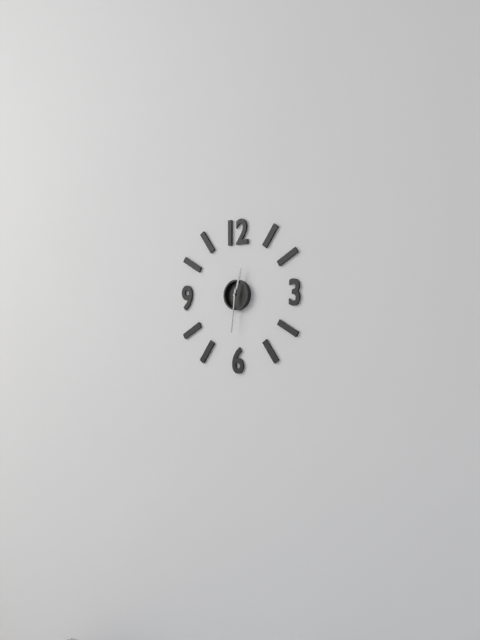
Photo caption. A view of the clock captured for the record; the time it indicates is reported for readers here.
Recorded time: 12:31
